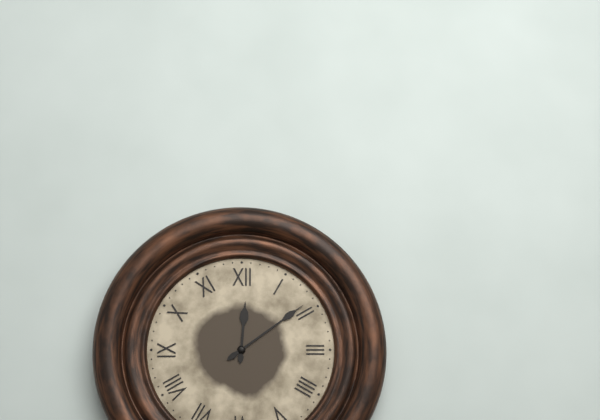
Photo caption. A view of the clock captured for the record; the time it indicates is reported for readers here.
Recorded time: 12:09
